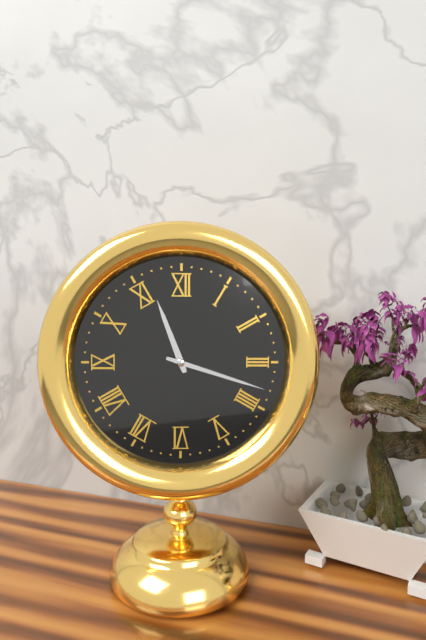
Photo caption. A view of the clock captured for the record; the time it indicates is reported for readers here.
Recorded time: 11:18
